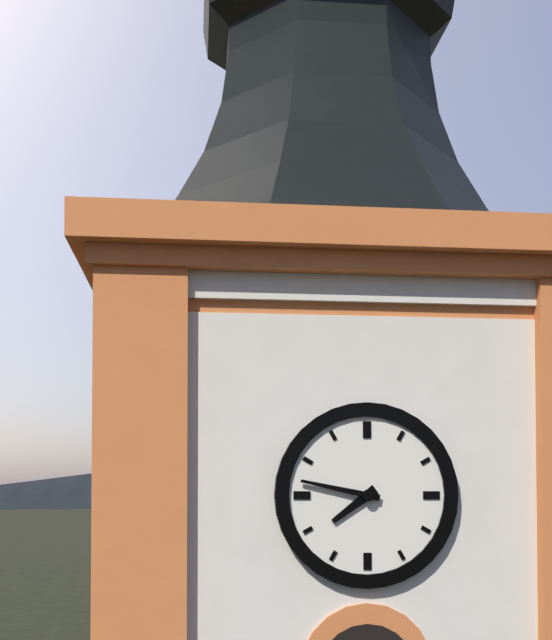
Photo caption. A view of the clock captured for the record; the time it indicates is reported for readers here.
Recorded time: 7:47
